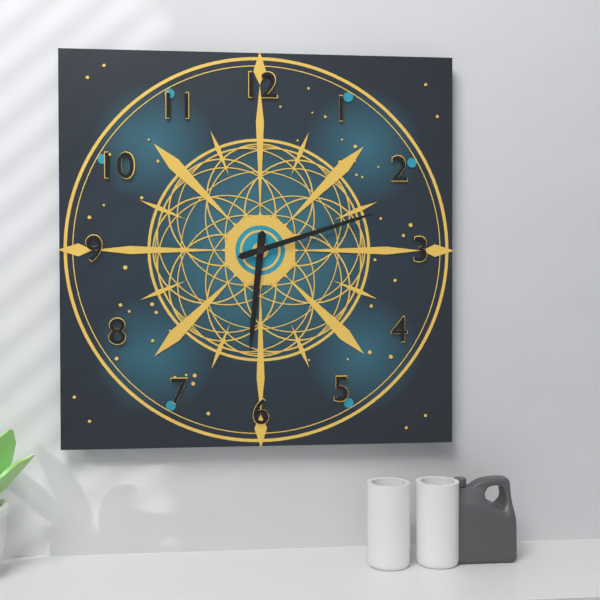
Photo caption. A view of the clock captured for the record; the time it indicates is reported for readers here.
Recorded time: 6:12
